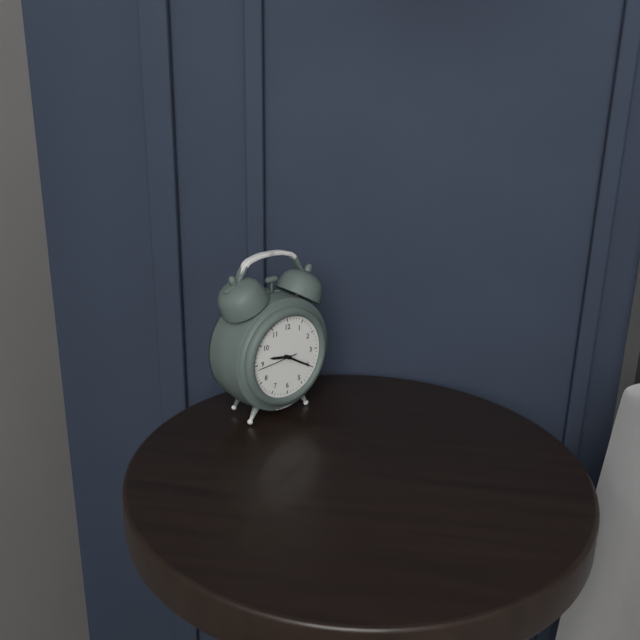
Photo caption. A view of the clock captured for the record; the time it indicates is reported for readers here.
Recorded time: 9:20
